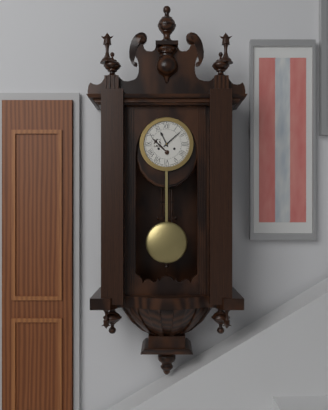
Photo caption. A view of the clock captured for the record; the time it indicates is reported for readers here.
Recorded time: 11:08
